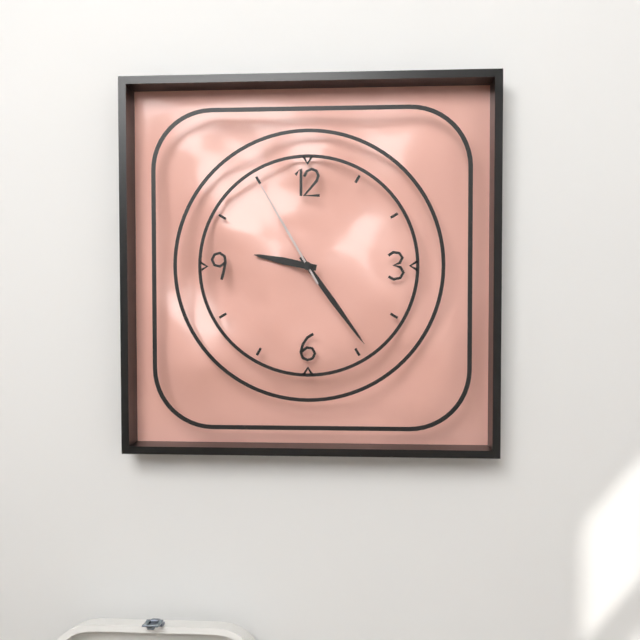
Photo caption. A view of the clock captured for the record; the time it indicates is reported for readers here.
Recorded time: 9:24:55
